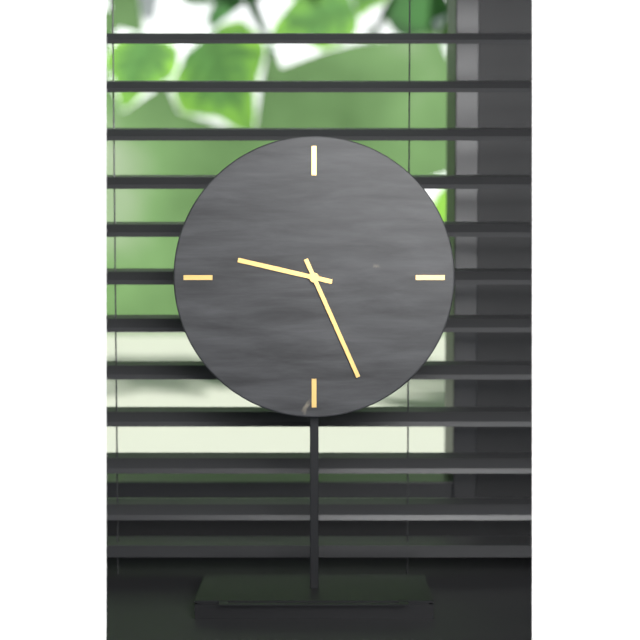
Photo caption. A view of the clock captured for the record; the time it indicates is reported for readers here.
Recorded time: 9:26
